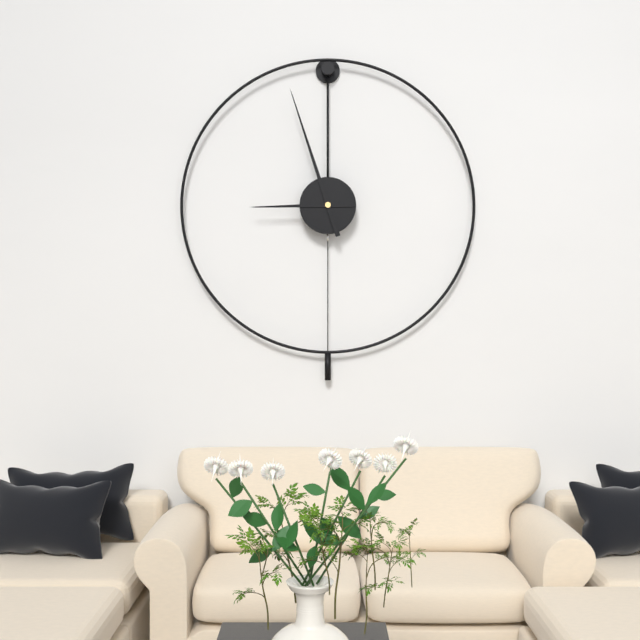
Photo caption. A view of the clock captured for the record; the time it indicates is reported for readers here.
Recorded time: 8:57
